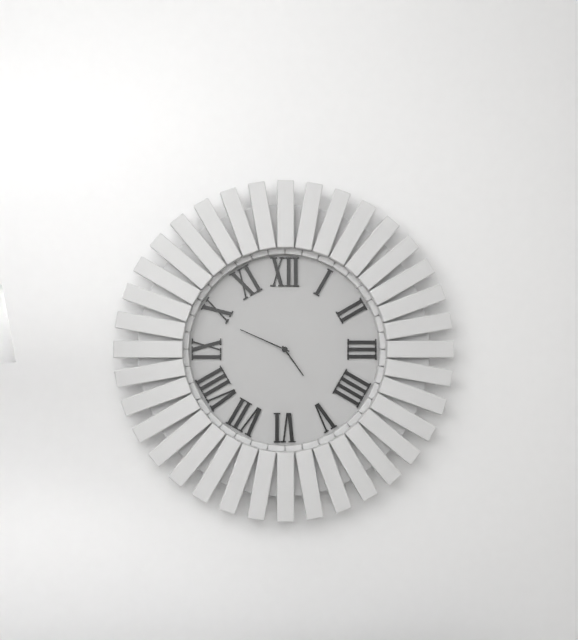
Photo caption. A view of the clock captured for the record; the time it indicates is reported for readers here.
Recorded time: 4:49
